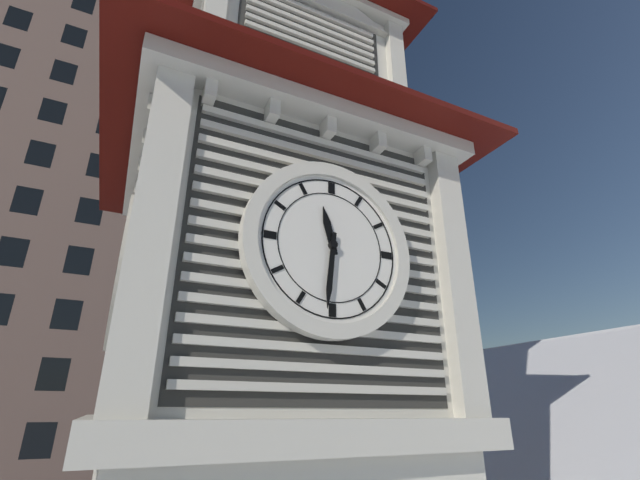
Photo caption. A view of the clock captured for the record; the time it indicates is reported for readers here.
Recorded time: 11:31
